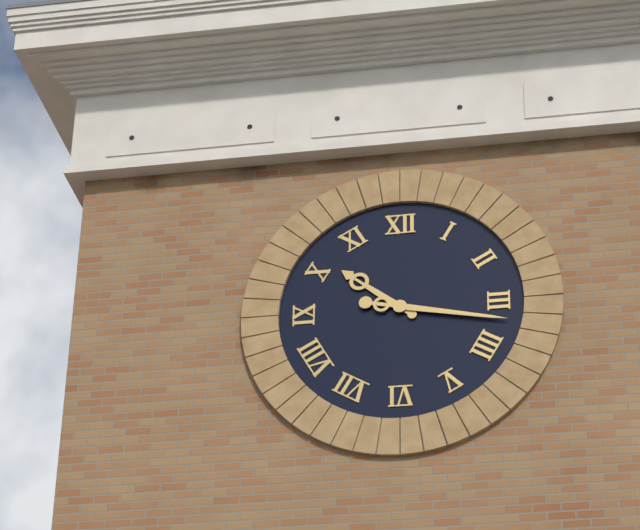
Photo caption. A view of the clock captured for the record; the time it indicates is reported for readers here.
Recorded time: 10:17
